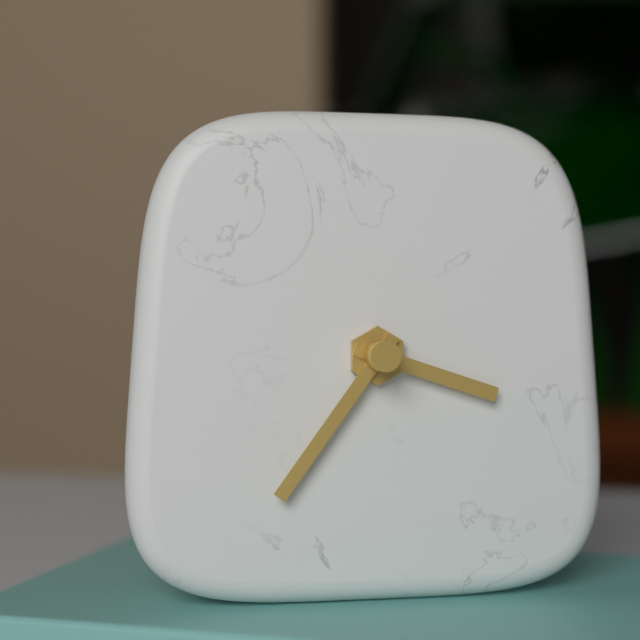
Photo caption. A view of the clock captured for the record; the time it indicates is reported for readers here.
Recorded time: 3:36
